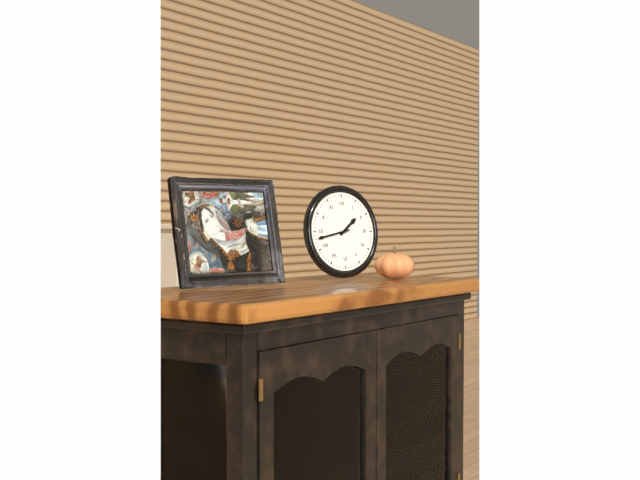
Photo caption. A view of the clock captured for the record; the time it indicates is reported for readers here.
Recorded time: 1:43
